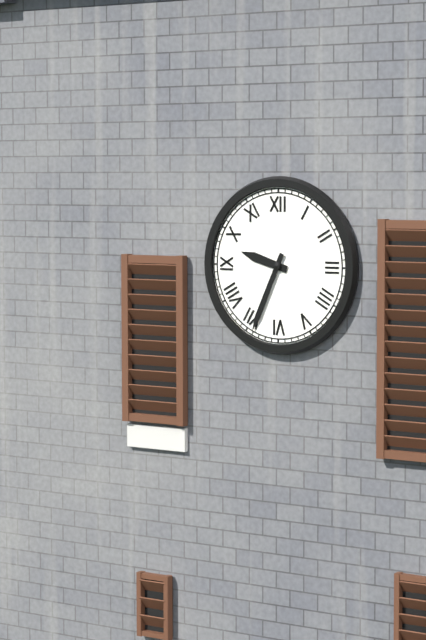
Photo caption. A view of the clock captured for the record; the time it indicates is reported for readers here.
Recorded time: 9:34
